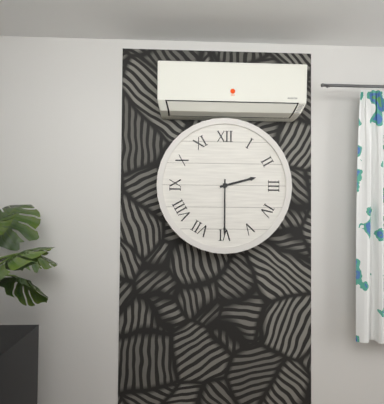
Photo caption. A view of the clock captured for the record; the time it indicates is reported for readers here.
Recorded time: 2:30
